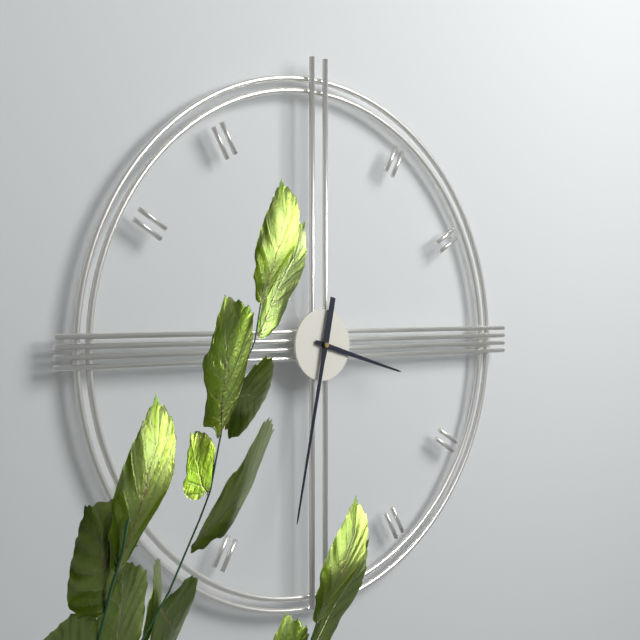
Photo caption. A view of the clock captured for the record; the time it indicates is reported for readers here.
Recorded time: 3:32
